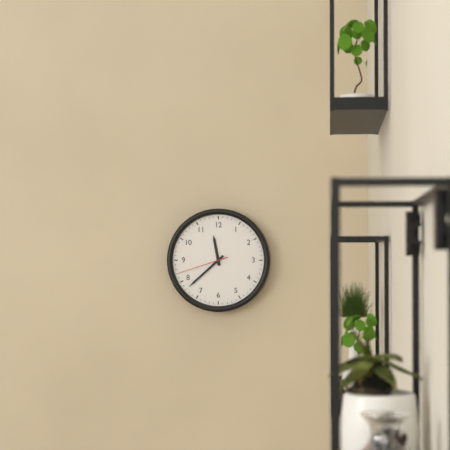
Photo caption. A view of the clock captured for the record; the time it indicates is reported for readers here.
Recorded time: 11:38:42
